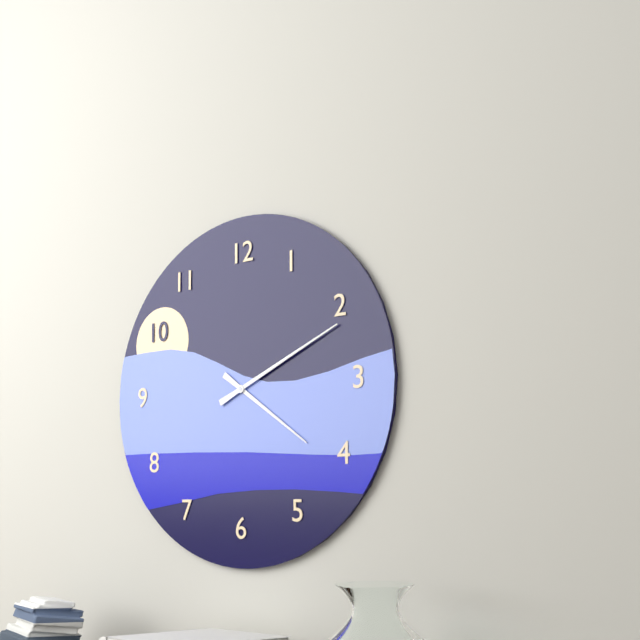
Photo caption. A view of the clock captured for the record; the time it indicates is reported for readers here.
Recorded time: 4:11
